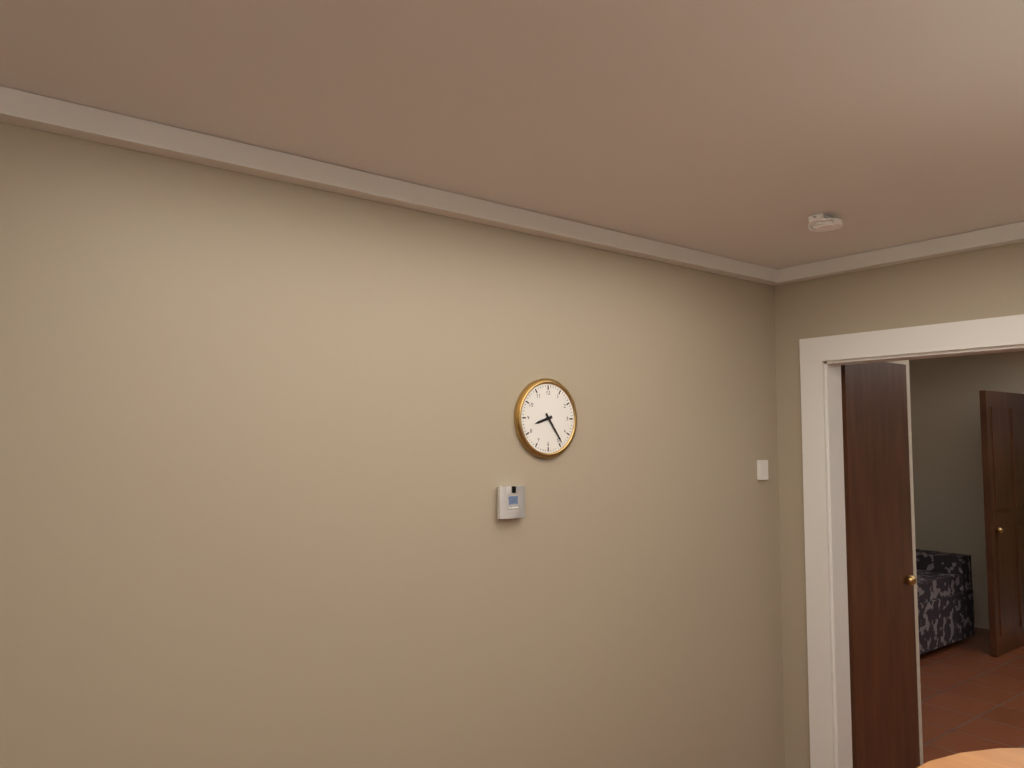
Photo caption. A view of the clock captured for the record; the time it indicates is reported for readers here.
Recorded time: 8:24
